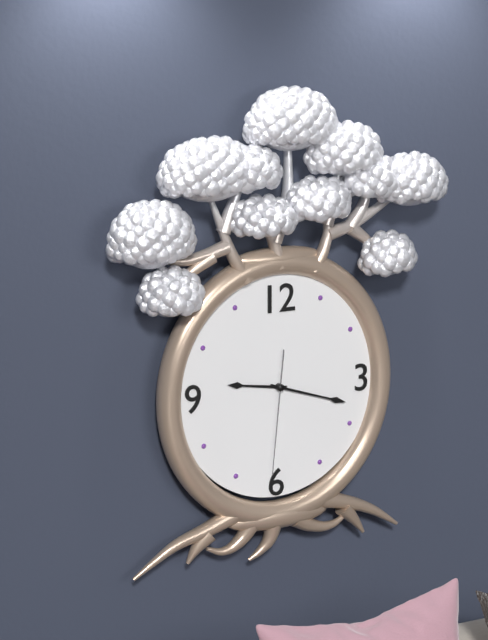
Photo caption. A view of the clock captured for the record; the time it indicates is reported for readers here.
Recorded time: 9:18:31
